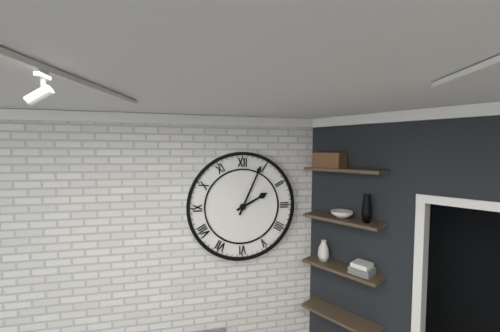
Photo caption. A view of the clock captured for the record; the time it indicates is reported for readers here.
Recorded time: 2:04
